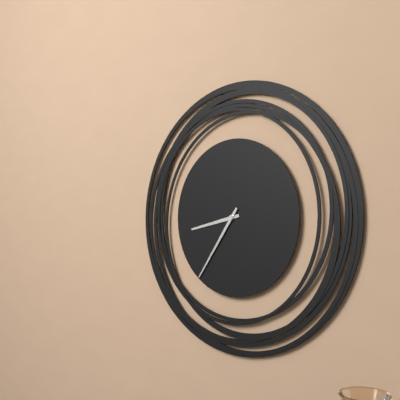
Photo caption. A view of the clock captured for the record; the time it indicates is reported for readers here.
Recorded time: 8:36
